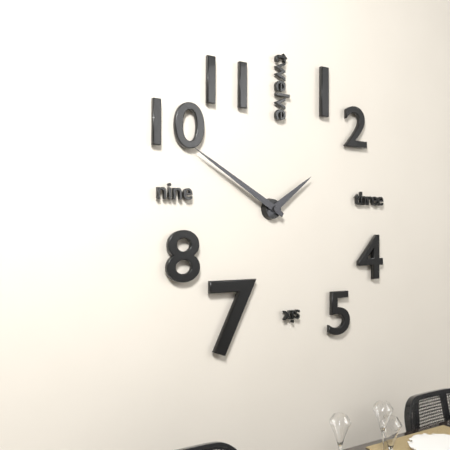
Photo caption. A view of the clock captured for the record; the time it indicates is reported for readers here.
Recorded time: 1:50
